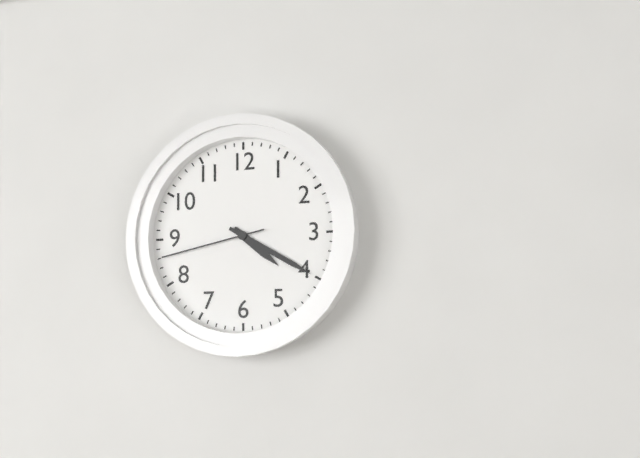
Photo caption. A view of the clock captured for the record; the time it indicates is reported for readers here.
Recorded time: 4:20:43
